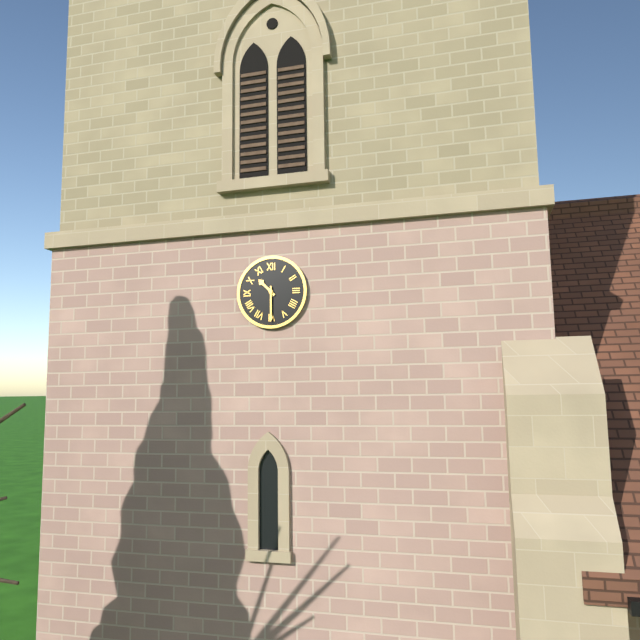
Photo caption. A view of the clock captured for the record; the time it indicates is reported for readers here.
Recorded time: 10:30
